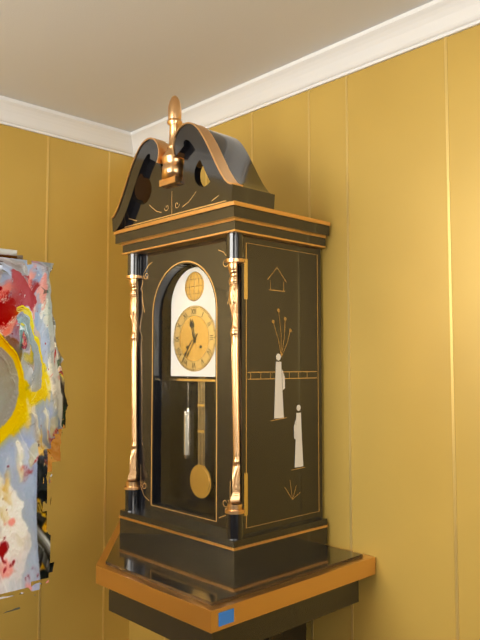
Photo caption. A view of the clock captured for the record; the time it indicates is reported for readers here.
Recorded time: 11:36
